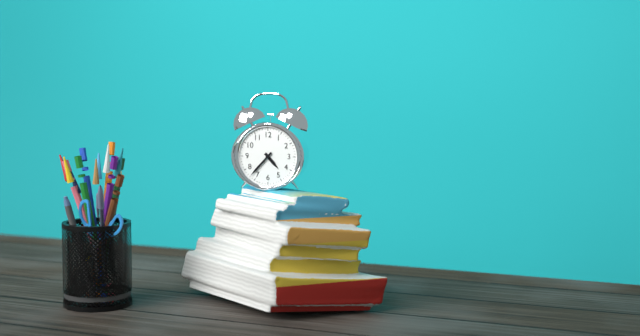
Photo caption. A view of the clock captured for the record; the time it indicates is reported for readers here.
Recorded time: 4:37
